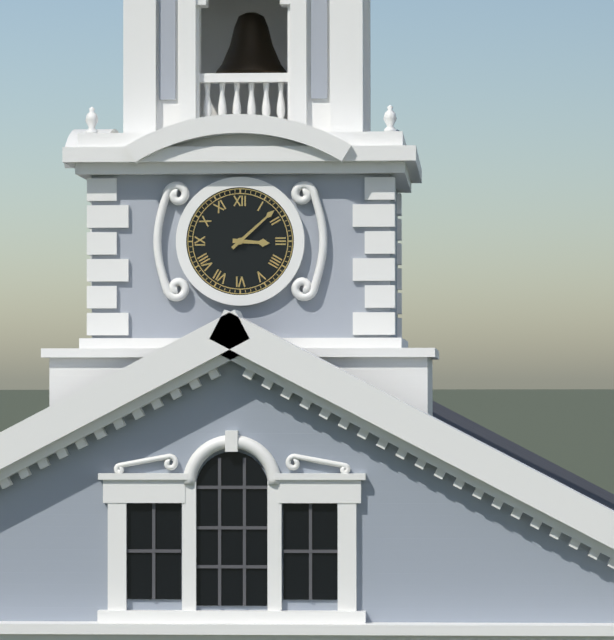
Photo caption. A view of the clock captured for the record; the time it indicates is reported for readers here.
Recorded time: 3:08
